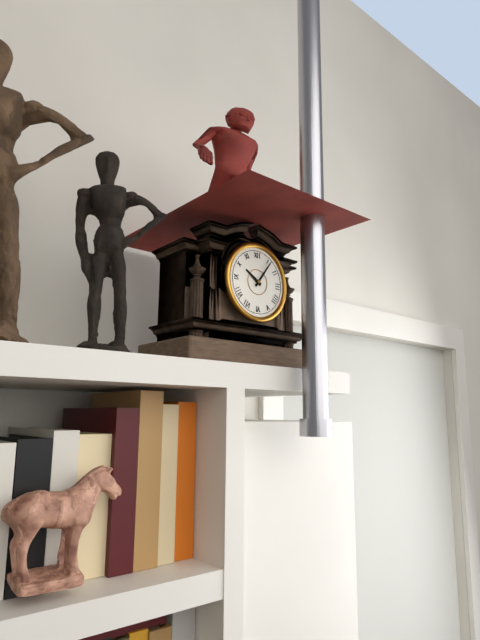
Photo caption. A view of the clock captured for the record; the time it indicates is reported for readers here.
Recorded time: 10:06
